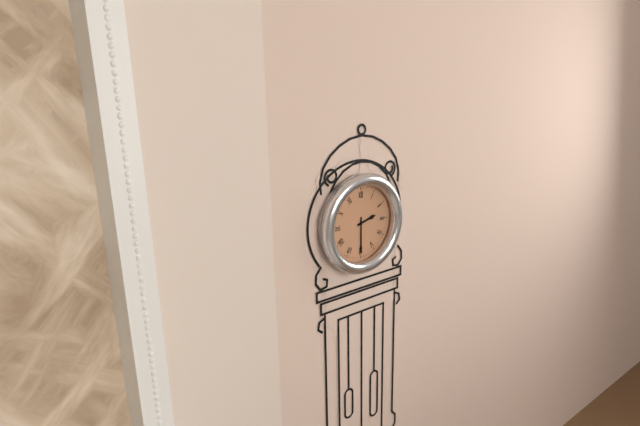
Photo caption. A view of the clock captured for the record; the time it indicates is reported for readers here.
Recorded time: 2:30
